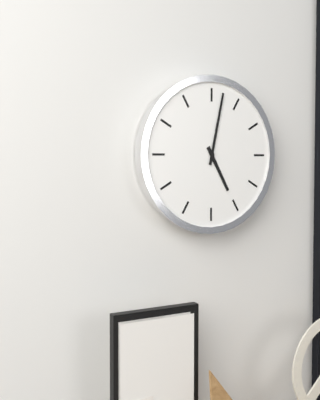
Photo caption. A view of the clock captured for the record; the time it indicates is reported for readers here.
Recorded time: 5:02
